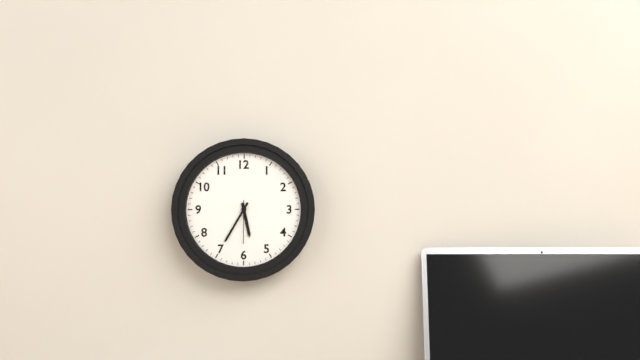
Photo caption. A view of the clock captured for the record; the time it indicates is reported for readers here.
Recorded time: 5:35
